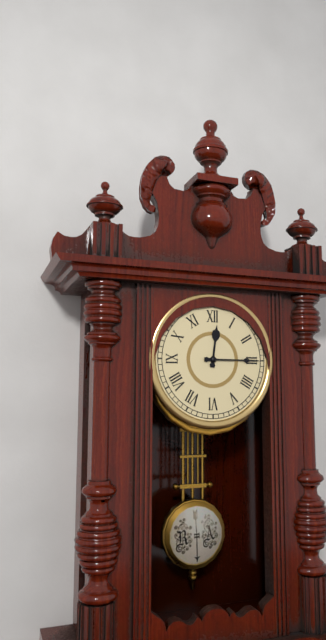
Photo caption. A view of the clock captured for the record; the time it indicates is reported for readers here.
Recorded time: 12:15
